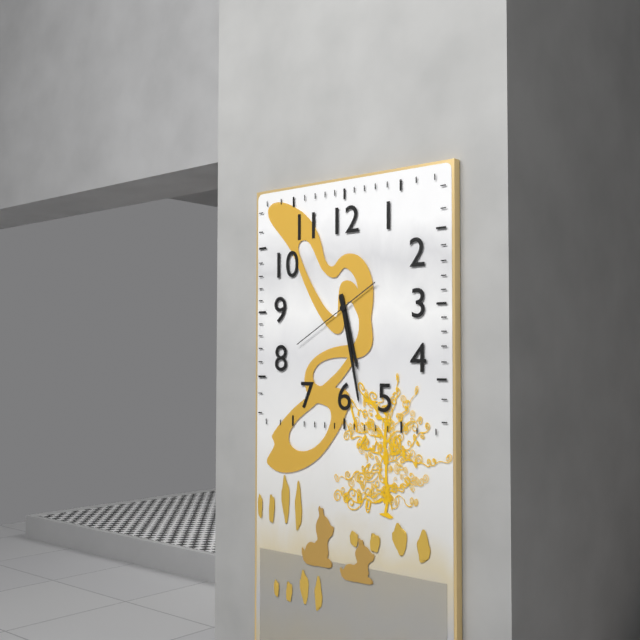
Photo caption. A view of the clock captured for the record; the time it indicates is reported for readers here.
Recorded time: 5:28:40
